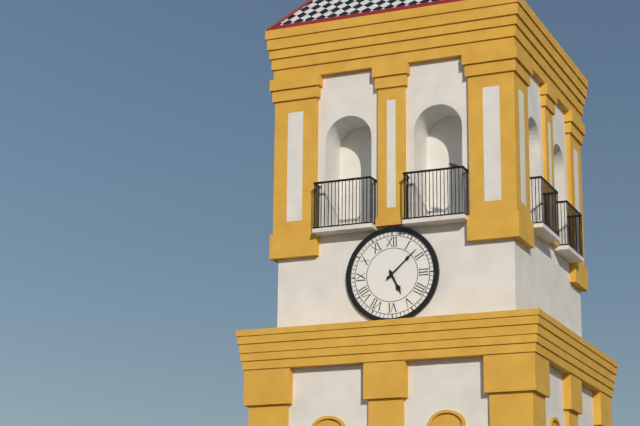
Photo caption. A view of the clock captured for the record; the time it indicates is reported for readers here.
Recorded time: 5:08
